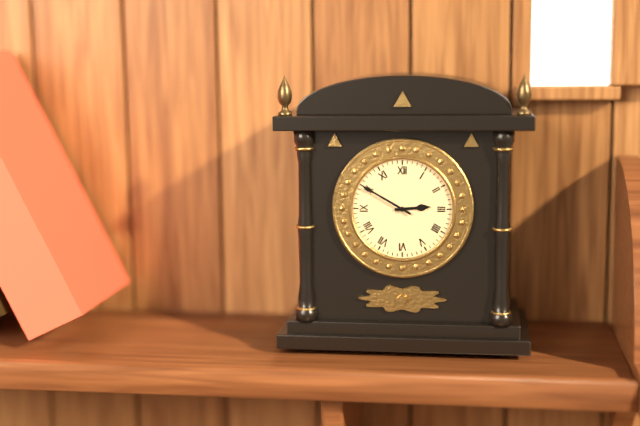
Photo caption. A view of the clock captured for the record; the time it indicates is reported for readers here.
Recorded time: 2:50
